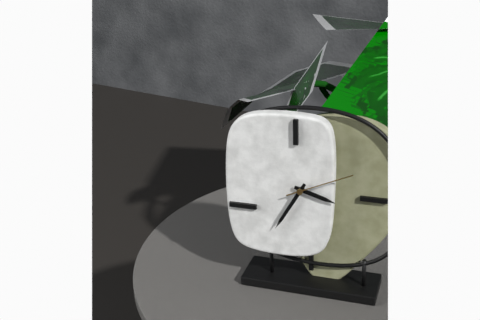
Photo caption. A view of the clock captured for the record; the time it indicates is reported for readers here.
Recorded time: 3:35:11
